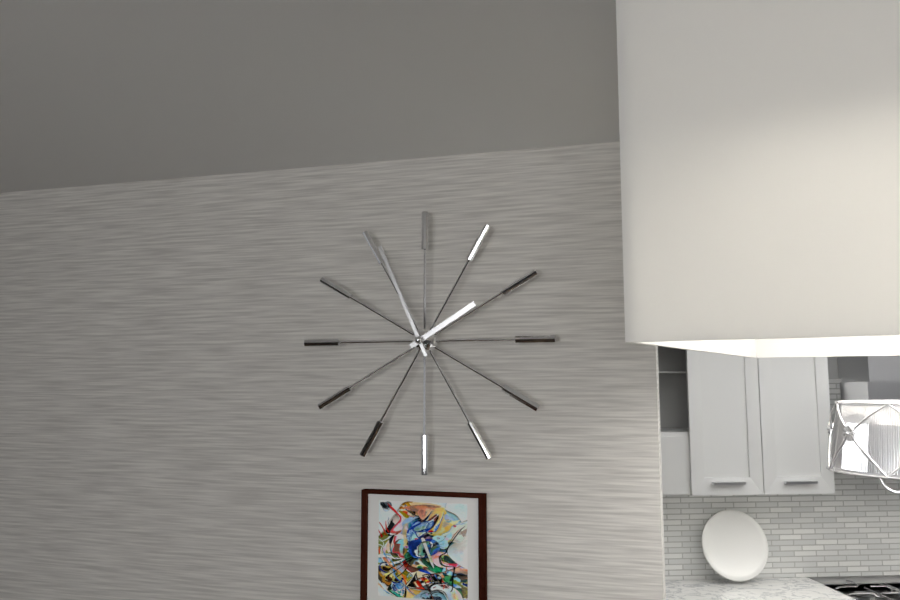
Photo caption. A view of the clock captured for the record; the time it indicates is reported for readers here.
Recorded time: 1:56
